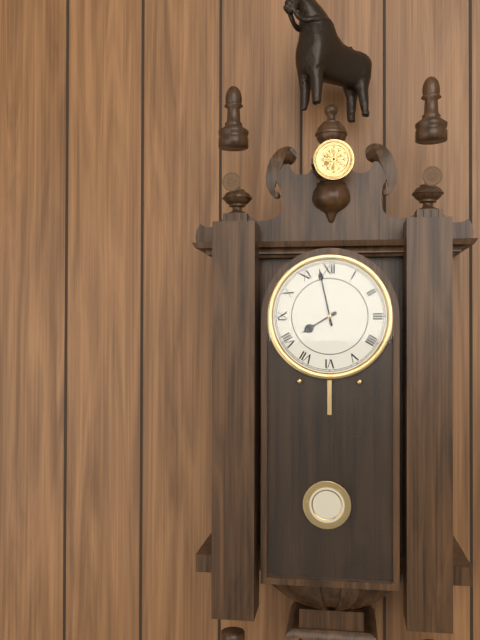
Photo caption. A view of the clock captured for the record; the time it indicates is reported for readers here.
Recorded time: 7:58
